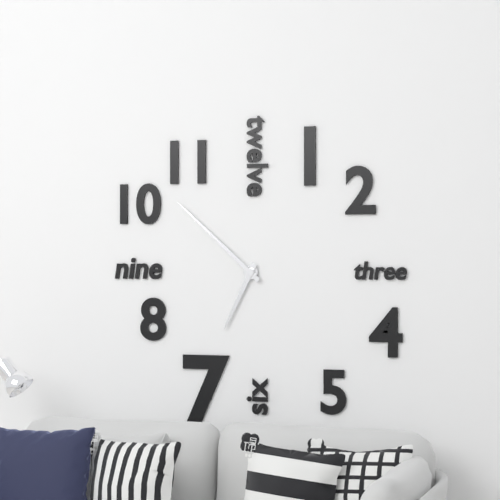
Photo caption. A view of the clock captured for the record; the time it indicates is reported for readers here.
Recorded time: 6:52
